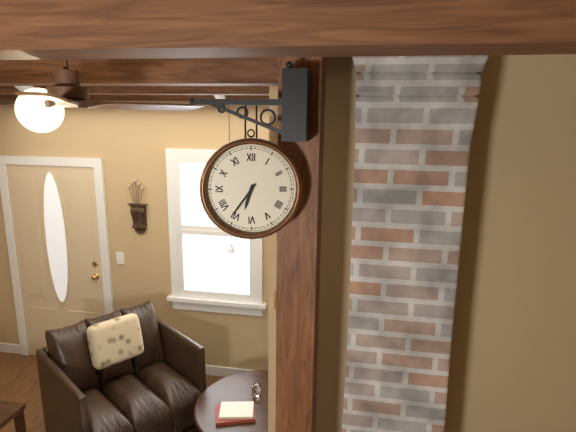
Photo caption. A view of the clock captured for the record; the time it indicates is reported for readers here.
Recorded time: 6:36
